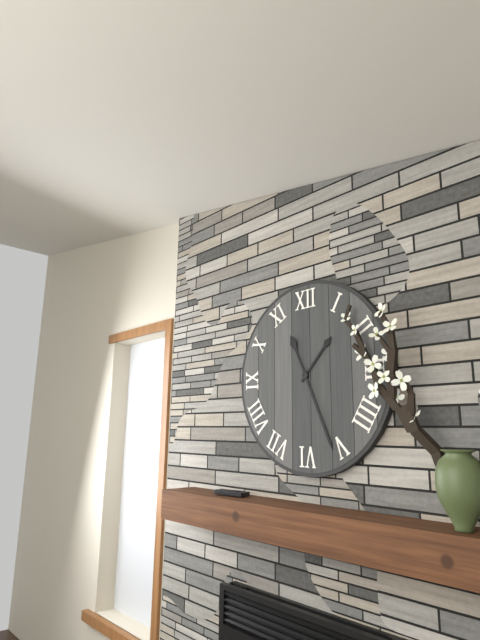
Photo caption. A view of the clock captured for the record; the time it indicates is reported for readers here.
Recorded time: 1:26
